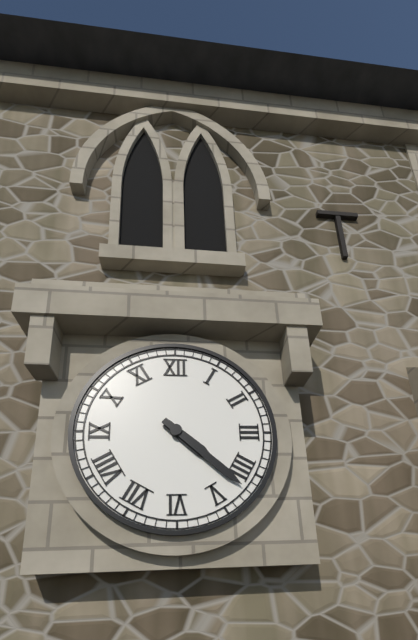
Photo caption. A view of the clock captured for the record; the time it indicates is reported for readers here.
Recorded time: 4:22
